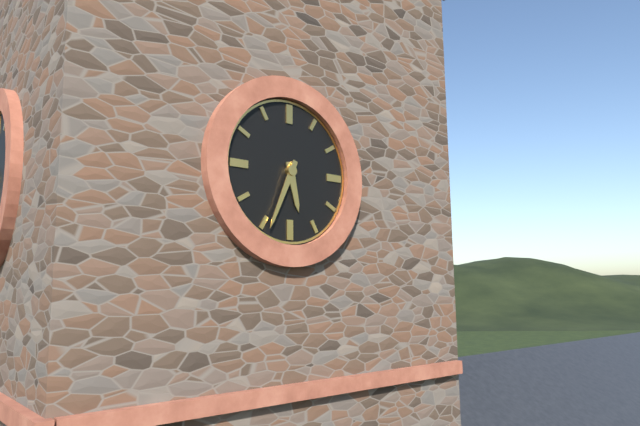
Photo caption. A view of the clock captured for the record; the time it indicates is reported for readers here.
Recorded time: 5:34
